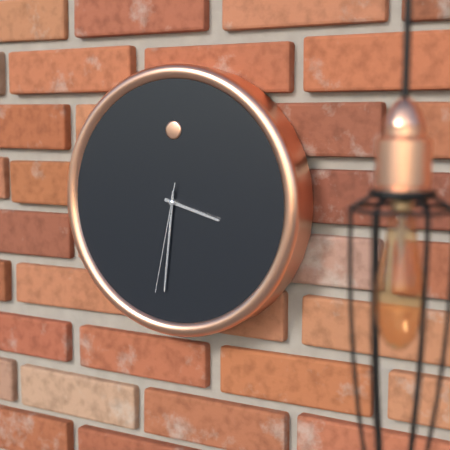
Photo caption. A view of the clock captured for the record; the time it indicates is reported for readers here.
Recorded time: 3:31:32
